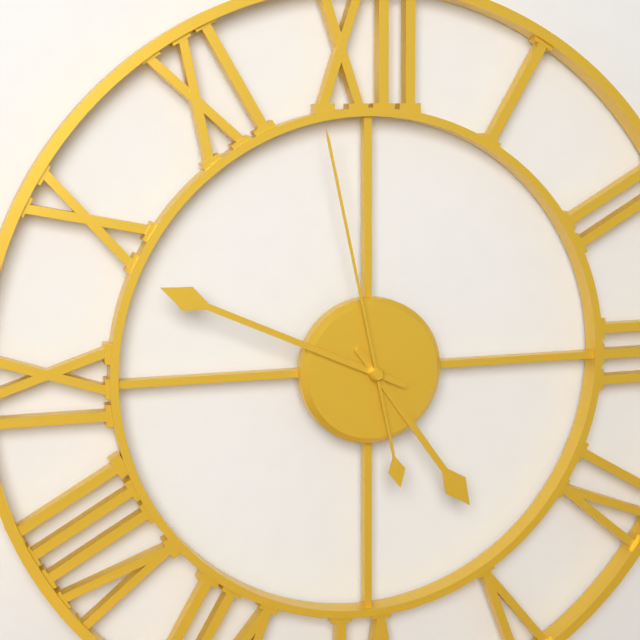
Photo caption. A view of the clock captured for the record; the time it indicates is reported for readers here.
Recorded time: 4:49:58
